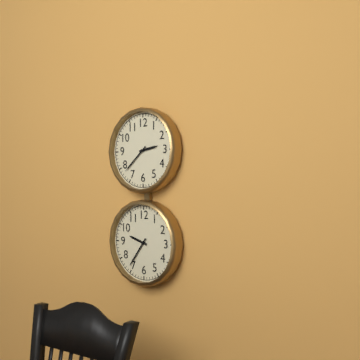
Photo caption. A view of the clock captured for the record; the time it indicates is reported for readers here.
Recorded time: 2:38
